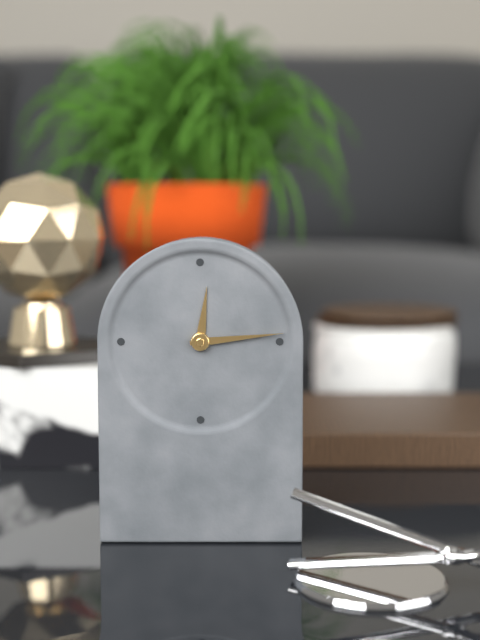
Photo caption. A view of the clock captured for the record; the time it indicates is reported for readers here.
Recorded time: 12:14
